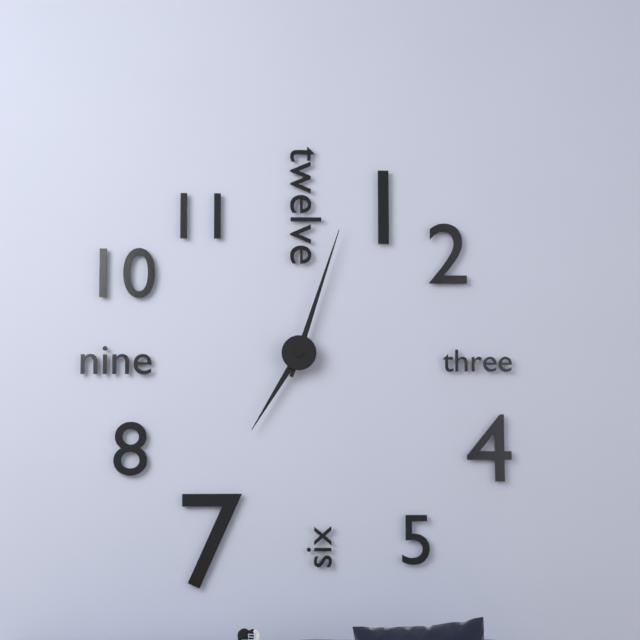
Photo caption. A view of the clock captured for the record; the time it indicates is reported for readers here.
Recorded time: 7:03
